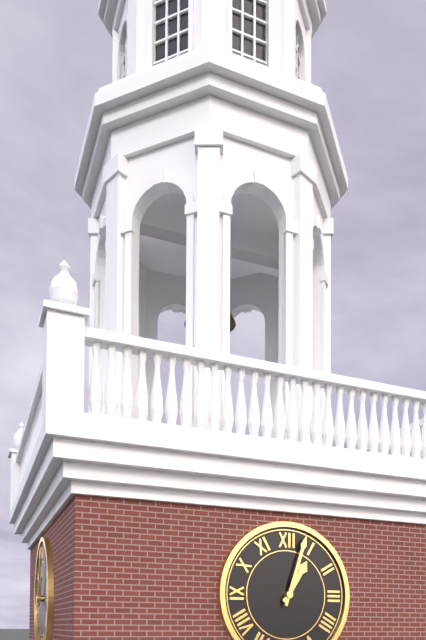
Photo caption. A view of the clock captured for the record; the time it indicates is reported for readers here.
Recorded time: 1:03
